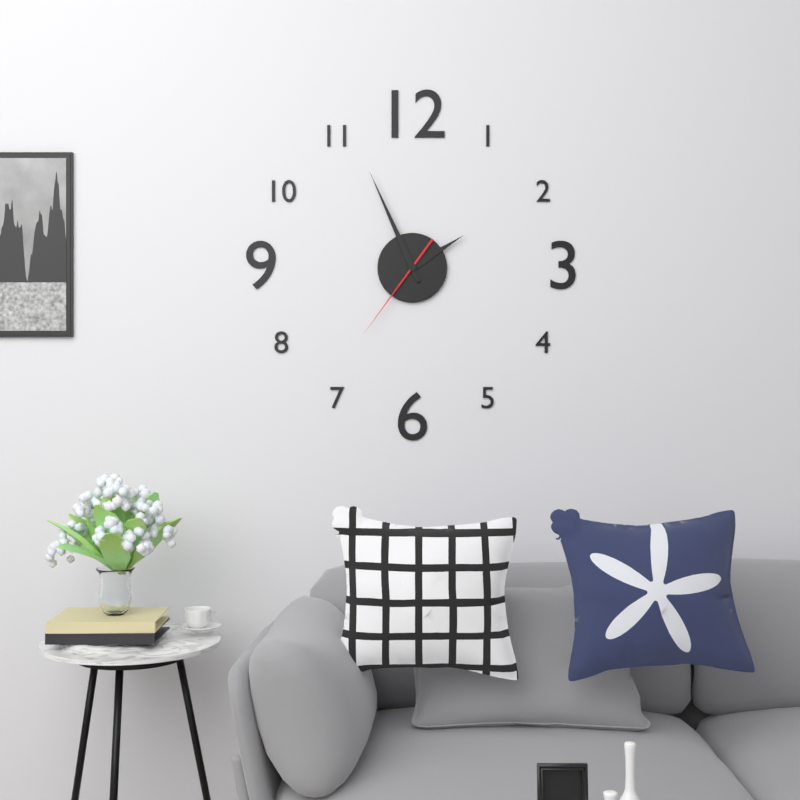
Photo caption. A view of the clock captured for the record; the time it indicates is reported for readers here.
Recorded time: 1:56:36
